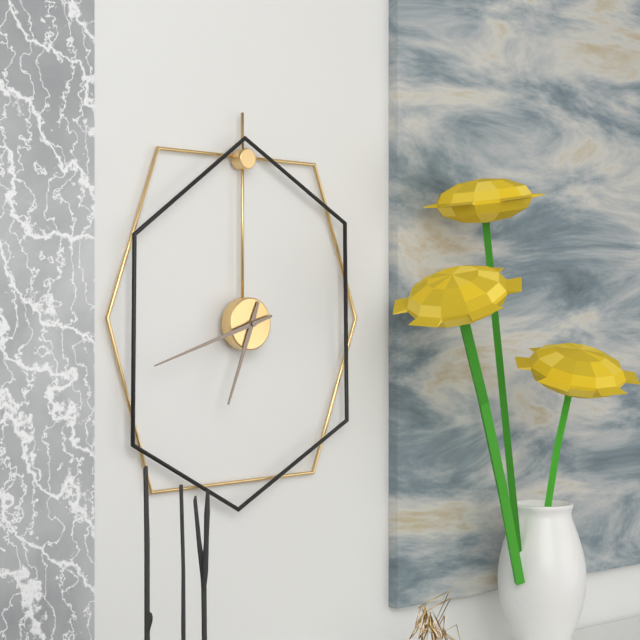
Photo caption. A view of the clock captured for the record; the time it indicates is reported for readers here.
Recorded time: 6:42
